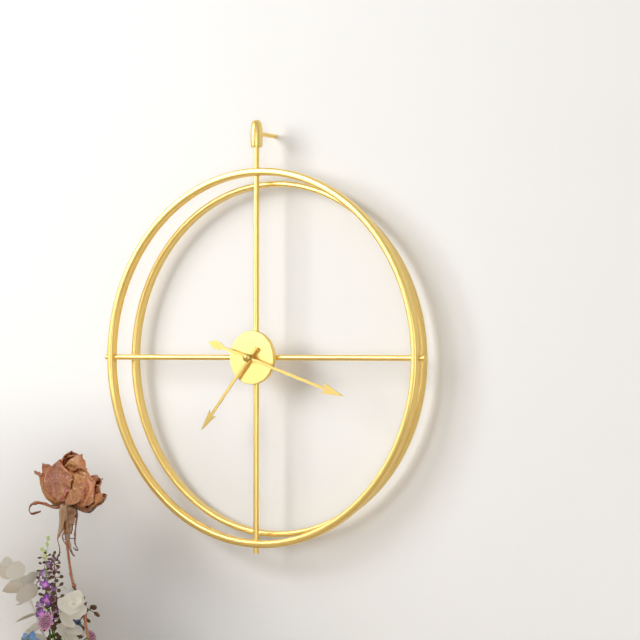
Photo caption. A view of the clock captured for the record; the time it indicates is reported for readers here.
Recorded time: 7:18
